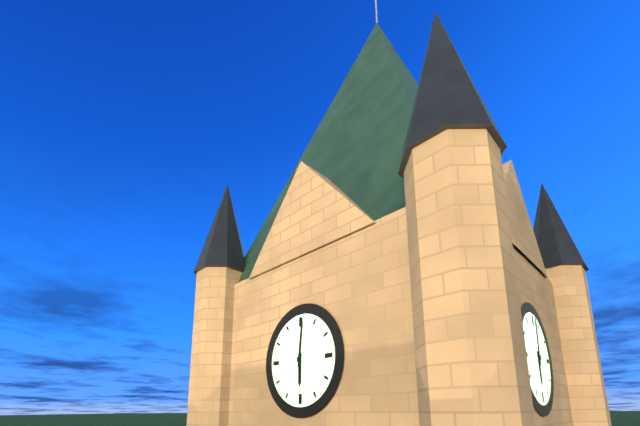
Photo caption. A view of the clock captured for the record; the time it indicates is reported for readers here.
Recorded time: 6:01
